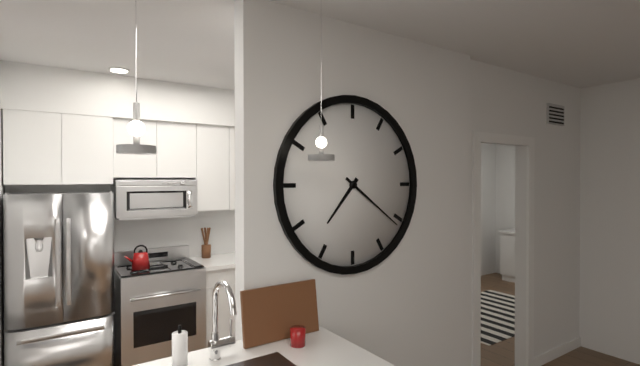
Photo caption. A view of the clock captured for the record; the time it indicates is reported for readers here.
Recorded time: 7:21
